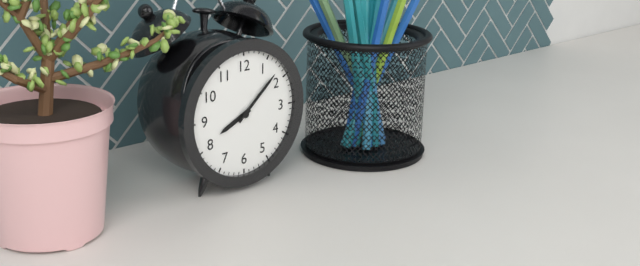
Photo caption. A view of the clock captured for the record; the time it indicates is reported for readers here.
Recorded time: 8:08
